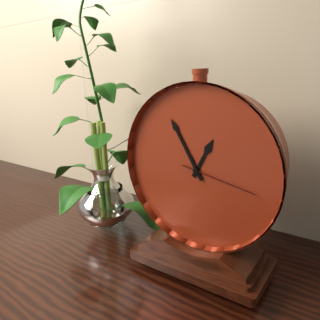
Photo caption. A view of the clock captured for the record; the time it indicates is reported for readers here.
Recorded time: 12:55:17
